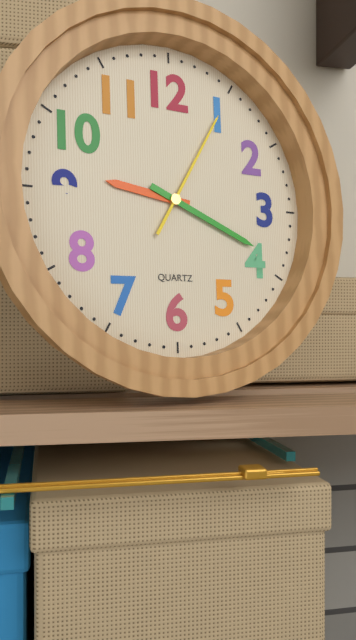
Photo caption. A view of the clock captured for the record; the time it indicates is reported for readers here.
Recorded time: 9:19:05
